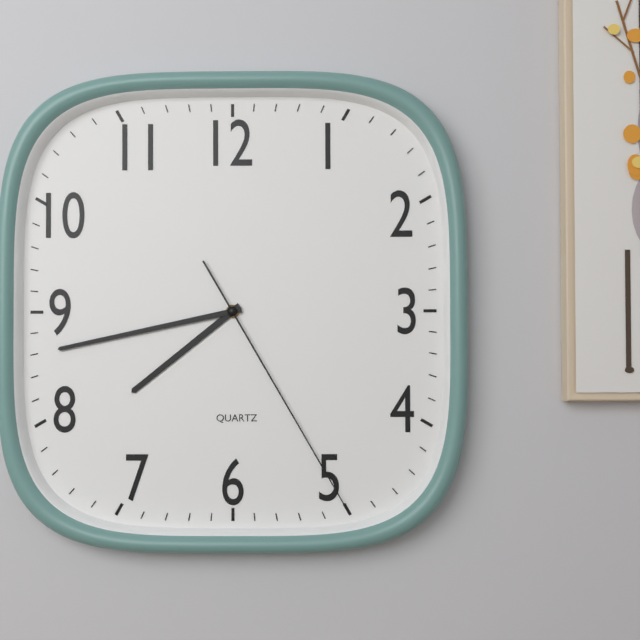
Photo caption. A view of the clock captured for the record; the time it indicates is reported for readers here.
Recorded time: 7:43:25
